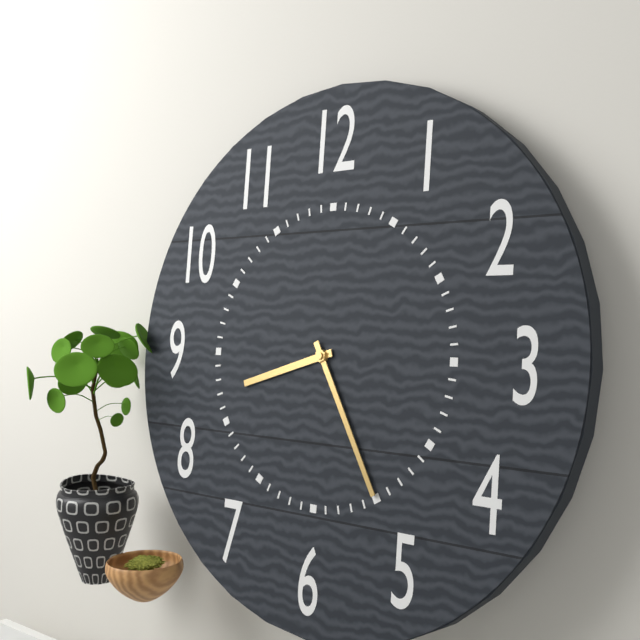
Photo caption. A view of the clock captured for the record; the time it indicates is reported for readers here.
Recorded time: 8:25
